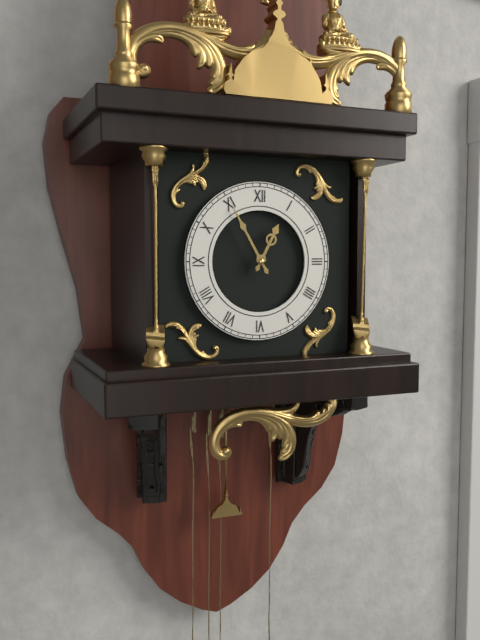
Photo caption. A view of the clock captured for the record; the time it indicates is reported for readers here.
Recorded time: 12:55
